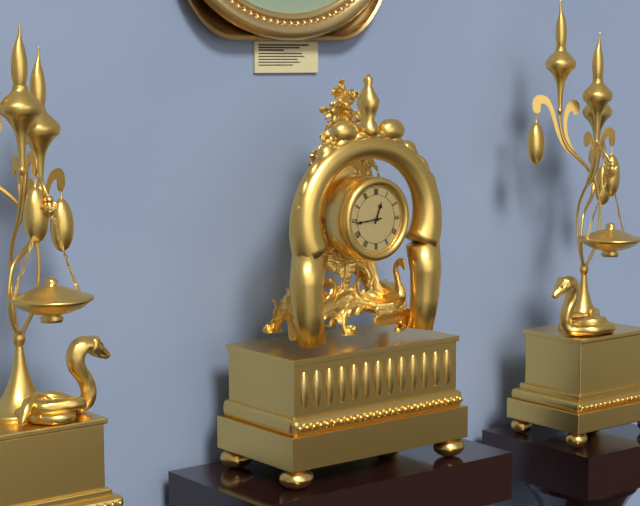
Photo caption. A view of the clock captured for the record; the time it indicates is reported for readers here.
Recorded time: 12:44
